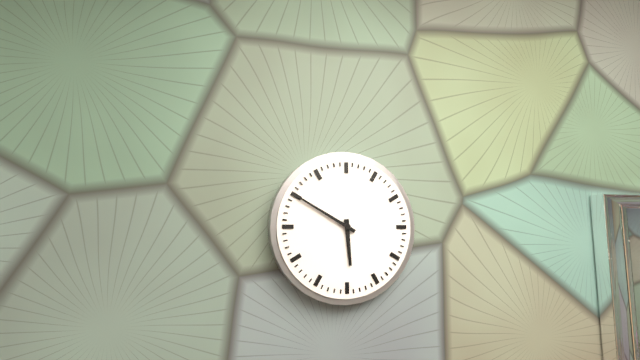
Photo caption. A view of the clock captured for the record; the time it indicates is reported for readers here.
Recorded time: 5:50
